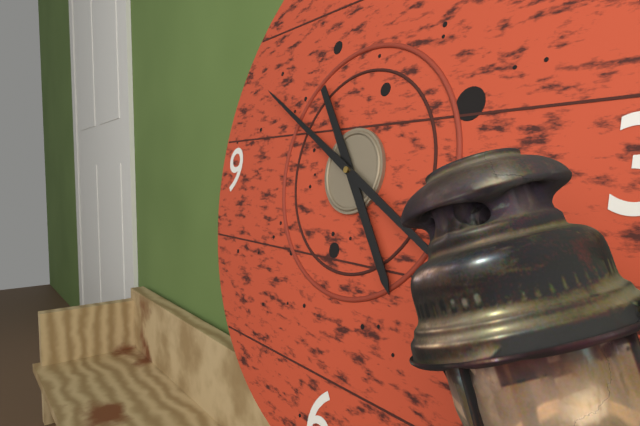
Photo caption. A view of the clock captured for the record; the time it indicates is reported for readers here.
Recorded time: 4:50
